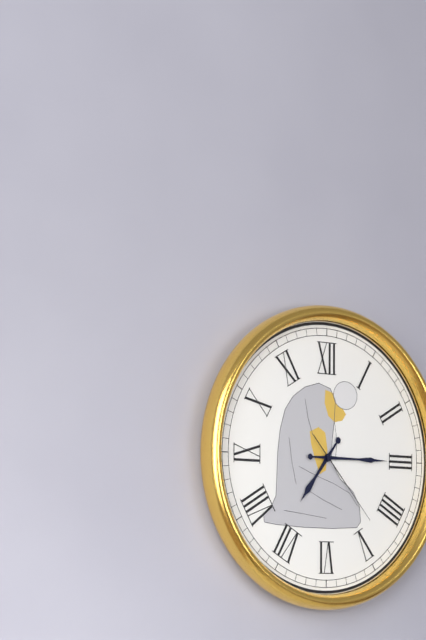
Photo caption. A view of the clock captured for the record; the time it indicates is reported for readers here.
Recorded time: 7:15:23
